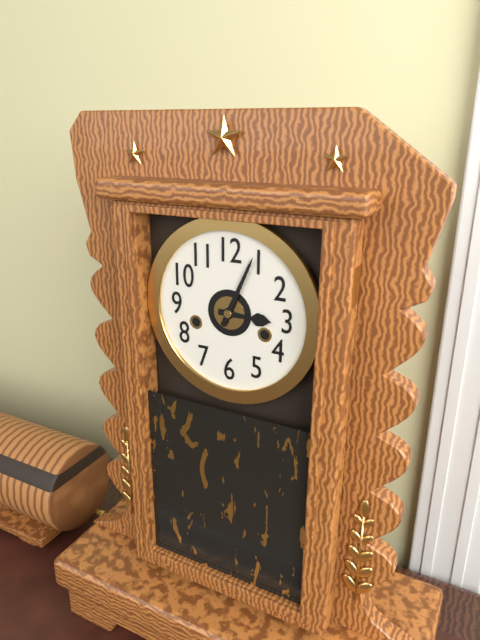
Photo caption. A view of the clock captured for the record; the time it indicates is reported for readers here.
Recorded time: 3:04
